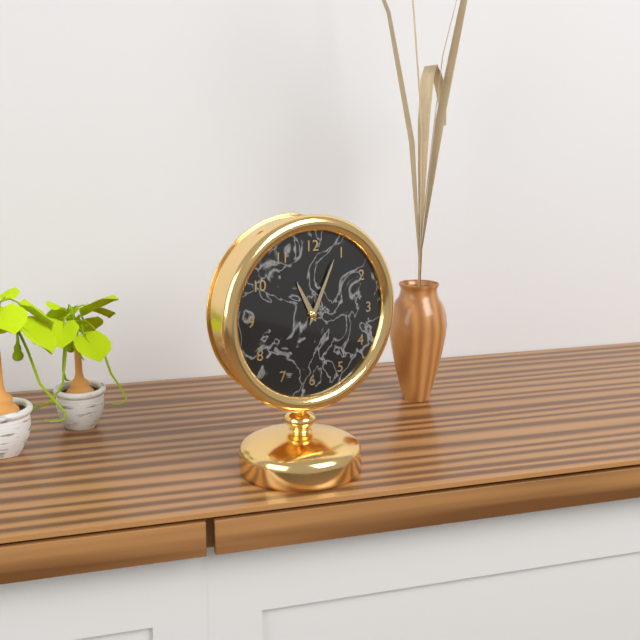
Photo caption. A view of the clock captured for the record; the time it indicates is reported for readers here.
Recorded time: 11:04
